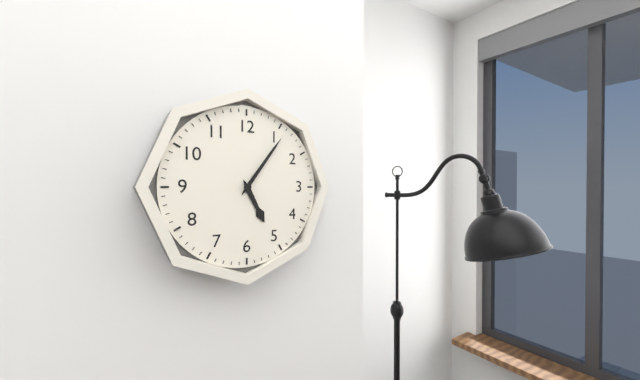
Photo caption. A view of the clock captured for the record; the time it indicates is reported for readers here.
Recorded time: 5:06
